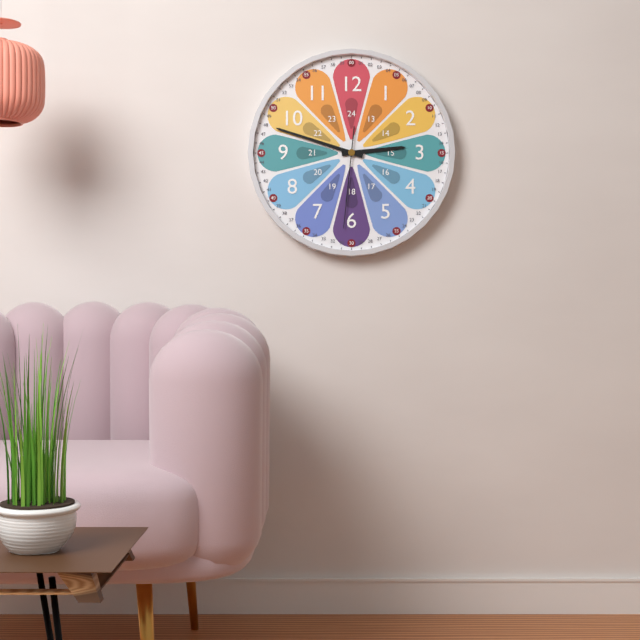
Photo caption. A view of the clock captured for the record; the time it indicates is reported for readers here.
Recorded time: 2:48:31
